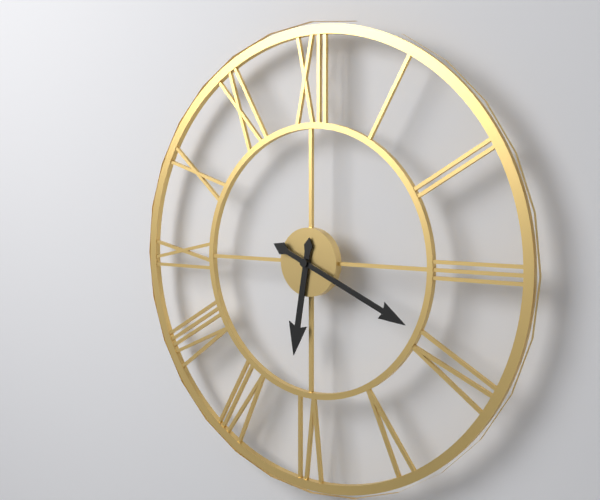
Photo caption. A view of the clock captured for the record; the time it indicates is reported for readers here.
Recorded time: 6:19
